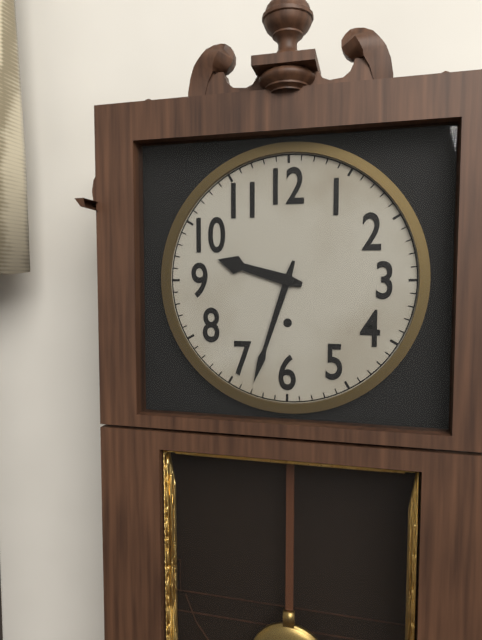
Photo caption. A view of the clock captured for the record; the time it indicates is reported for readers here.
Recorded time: 9:33
